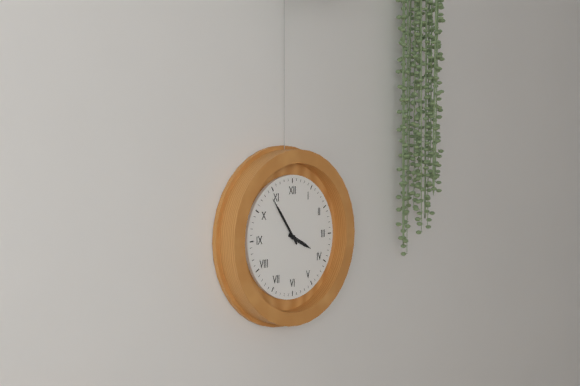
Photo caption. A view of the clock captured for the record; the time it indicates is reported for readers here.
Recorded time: 3:54
